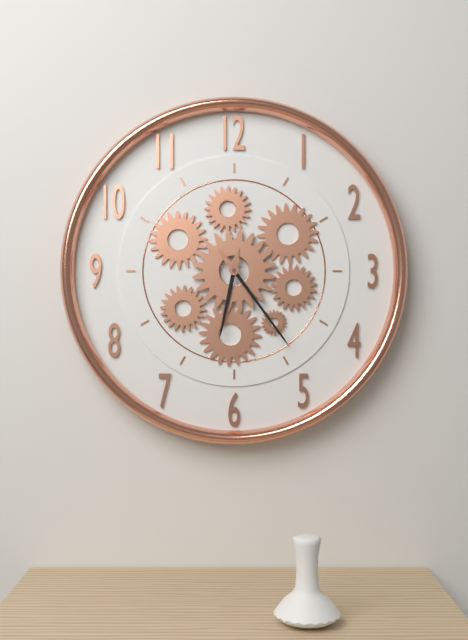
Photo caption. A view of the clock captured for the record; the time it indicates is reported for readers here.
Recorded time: 6:24
